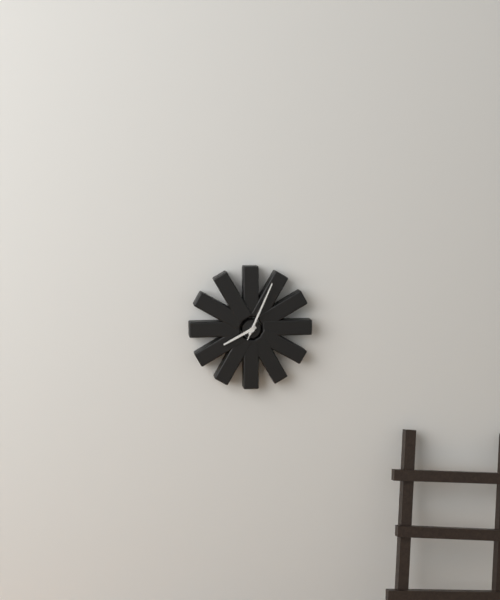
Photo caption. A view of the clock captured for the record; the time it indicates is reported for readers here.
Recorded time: 8:04:04
